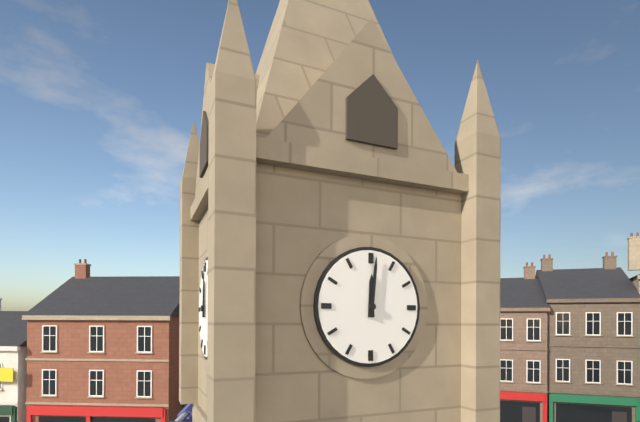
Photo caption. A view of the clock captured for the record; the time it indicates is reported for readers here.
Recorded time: 12:01
